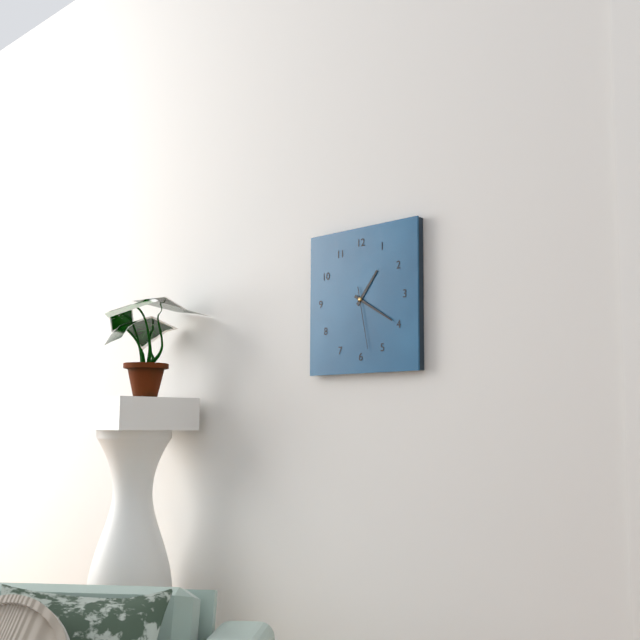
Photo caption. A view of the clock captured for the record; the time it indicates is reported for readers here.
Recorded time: 1:20:28
